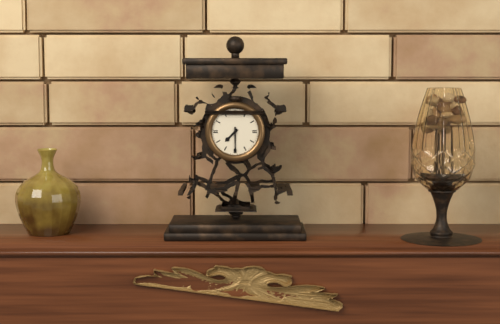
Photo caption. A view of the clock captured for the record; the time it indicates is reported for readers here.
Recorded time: 7:30
